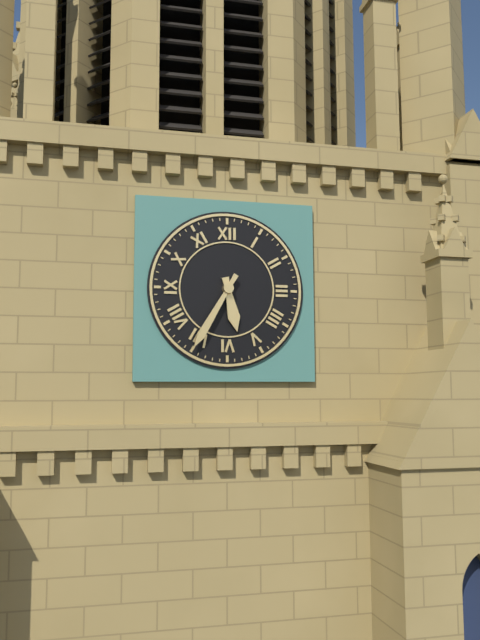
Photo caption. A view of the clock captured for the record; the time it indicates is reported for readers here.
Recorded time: 5:35
